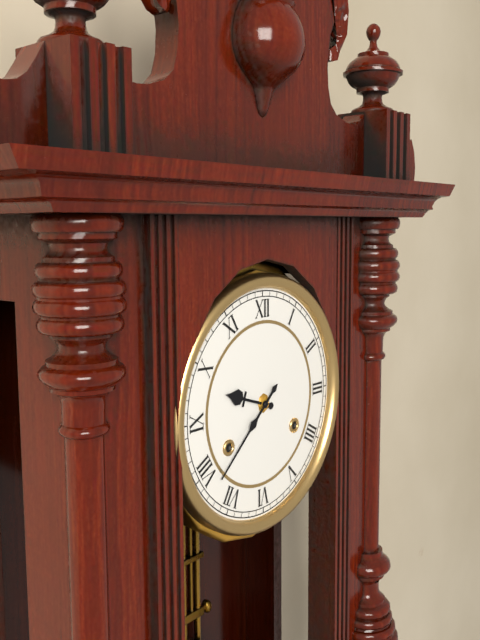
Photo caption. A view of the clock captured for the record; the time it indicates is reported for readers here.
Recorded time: 9:38
